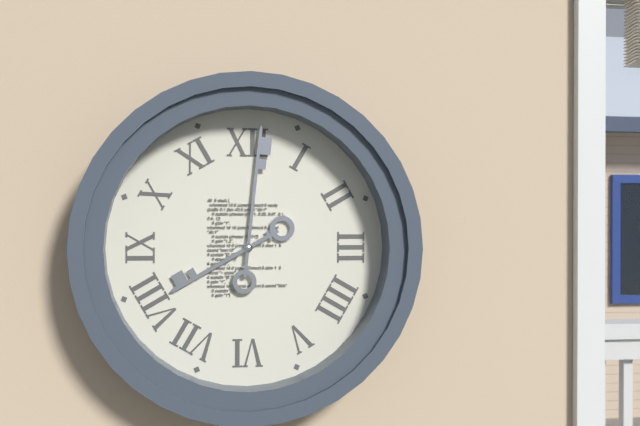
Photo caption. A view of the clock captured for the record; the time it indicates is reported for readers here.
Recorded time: 8:01
